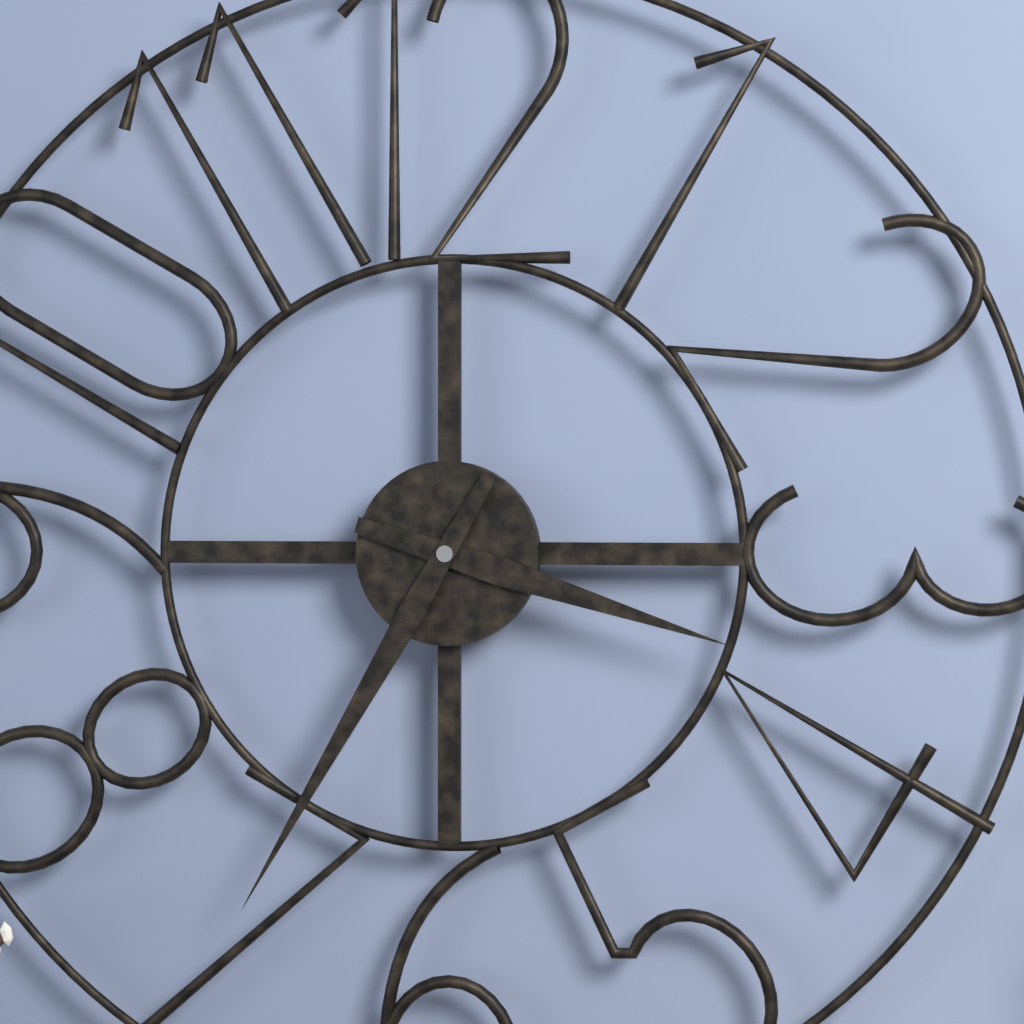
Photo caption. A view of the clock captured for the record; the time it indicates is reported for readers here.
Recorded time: 3:35
